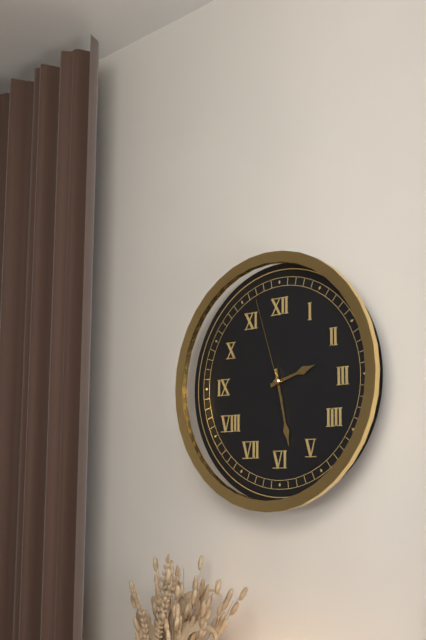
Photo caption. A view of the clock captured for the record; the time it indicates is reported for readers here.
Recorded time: 2:28:57
